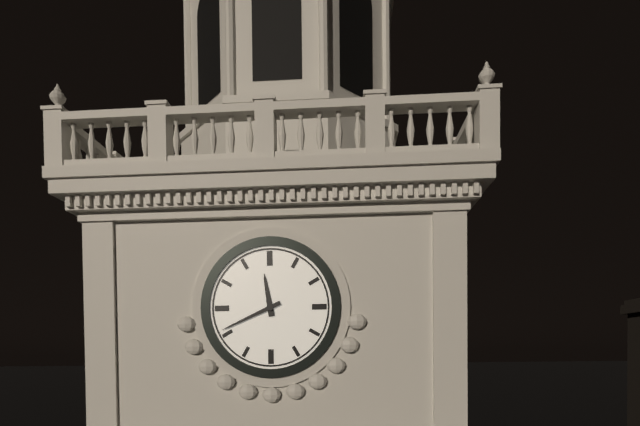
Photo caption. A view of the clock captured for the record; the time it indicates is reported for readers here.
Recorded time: 11:41
